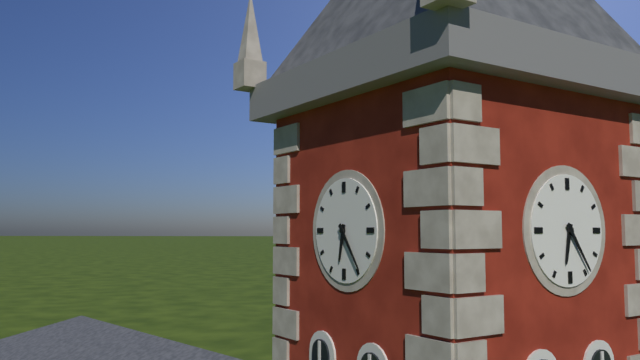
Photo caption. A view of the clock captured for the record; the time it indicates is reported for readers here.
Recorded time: 6:24
